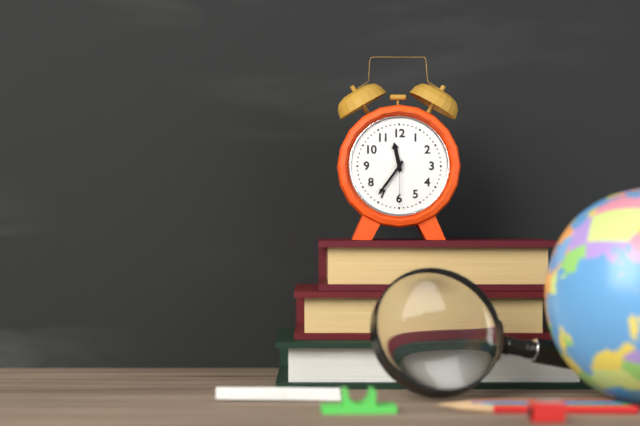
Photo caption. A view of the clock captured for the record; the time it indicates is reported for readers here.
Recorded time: 11:36
